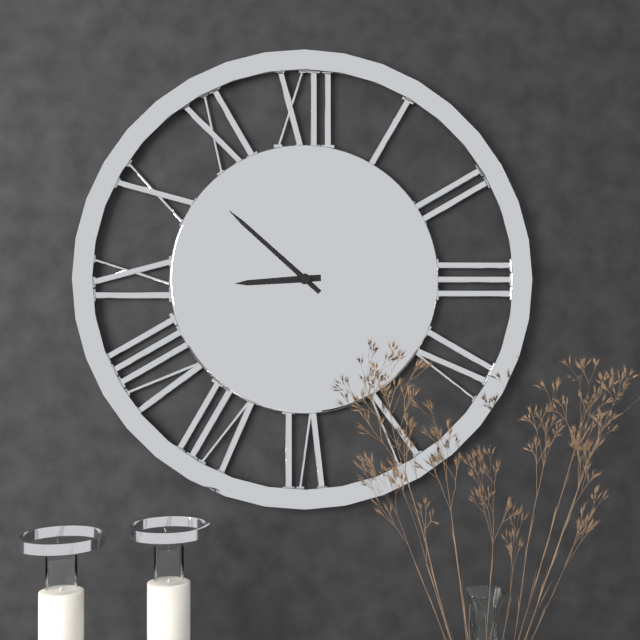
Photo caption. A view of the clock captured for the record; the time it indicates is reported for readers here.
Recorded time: 8:52
